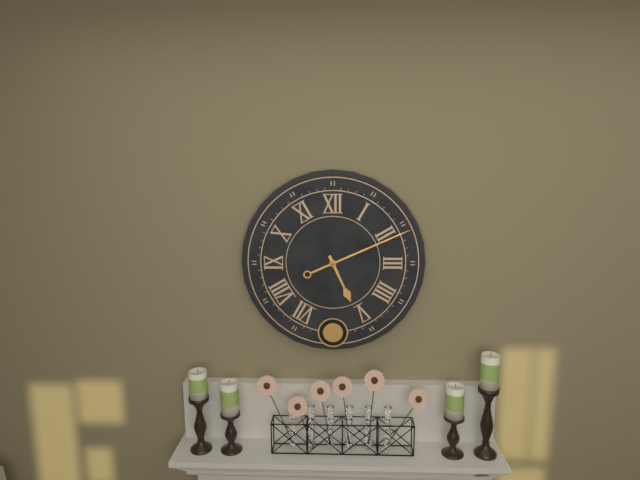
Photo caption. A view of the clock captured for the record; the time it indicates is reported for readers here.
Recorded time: 5:11
